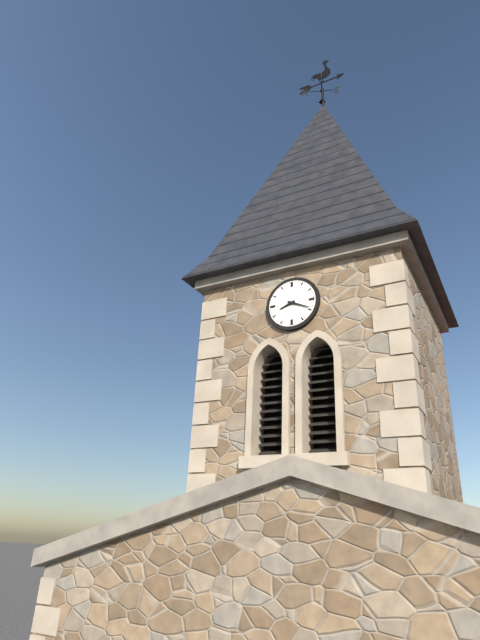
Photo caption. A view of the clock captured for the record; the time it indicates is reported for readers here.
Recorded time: 8:19
